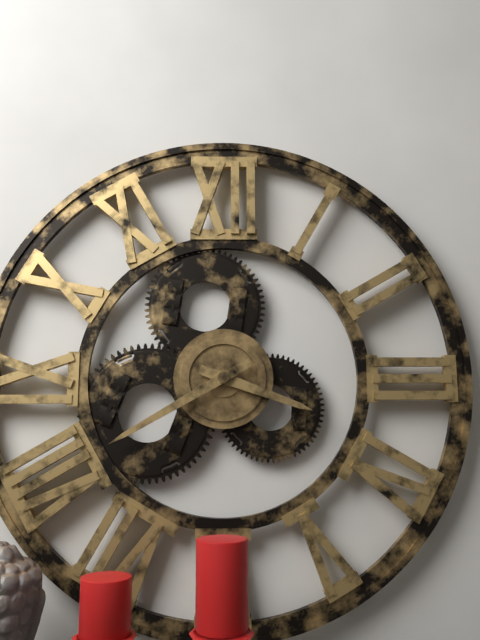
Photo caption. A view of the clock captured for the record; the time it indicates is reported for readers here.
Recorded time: 3:40
